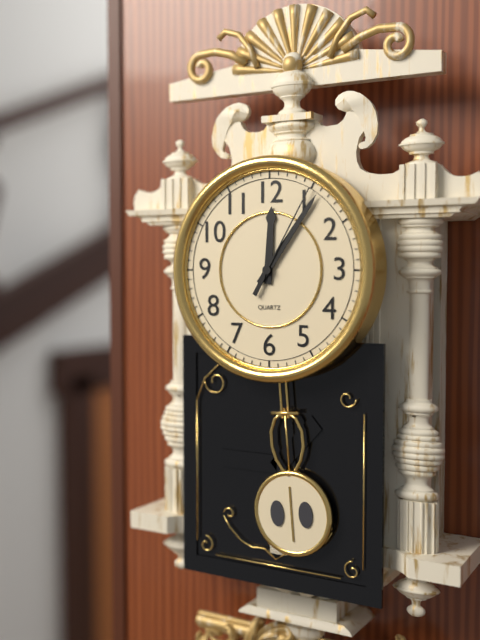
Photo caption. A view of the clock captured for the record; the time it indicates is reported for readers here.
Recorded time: 12:06:05
